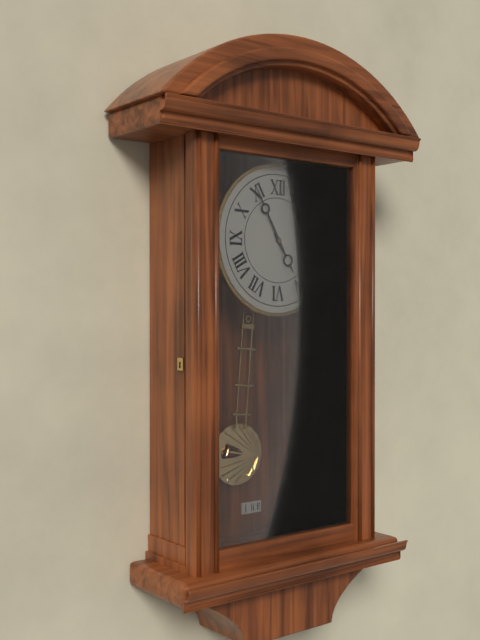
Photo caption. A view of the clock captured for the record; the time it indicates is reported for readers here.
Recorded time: 4:55
